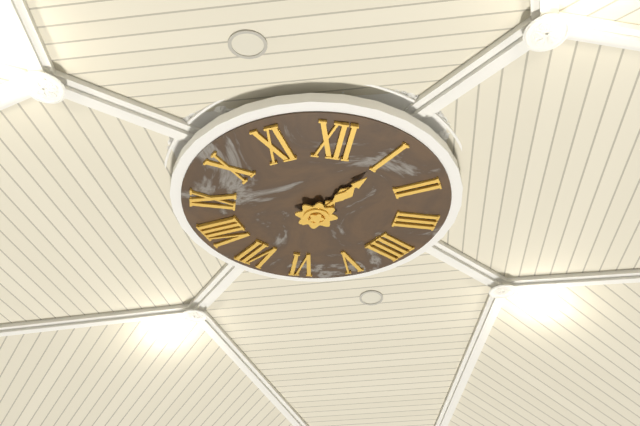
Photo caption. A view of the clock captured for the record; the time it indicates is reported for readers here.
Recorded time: 1:05
